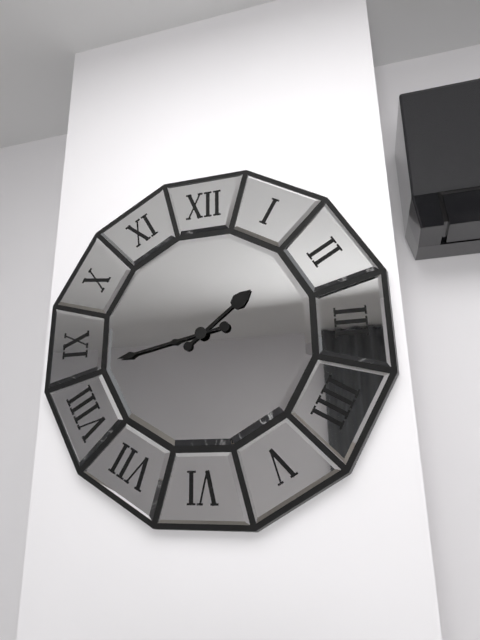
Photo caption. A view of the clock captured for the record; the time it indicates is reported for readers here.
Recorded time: 1:43
